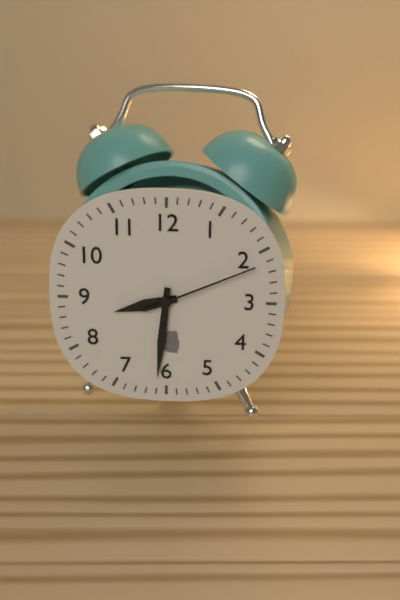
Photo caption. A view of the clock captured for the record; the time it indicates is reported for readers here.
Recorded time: 8:31:11
